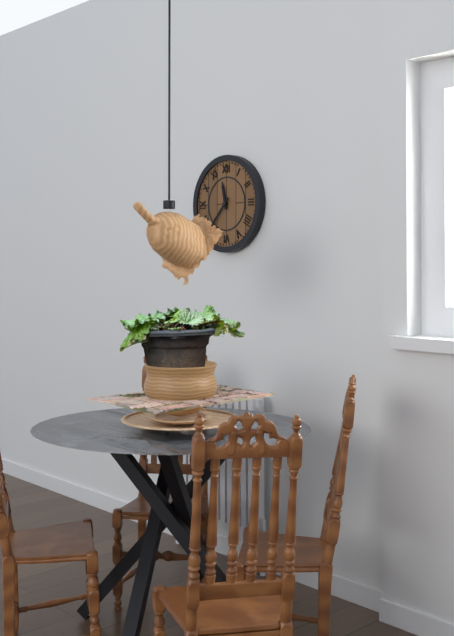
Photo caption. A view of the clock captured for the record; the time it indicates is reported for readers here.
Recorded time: 11:37
